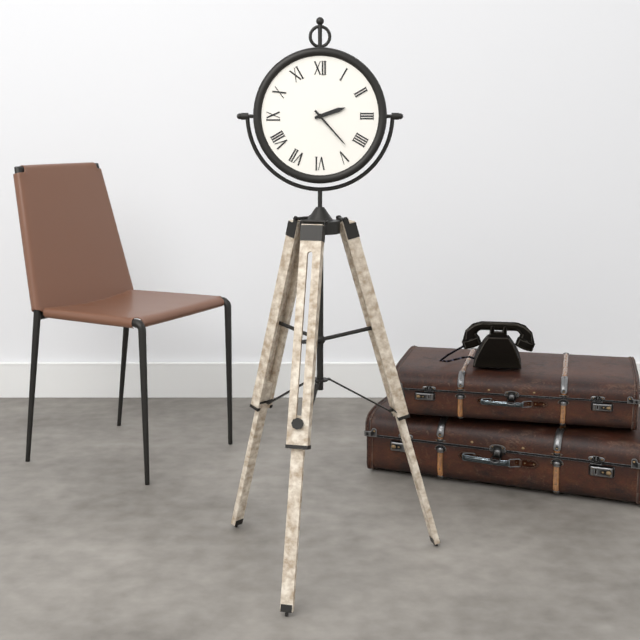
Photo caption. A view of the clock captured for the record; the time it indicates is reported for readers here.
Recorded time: 2:23
